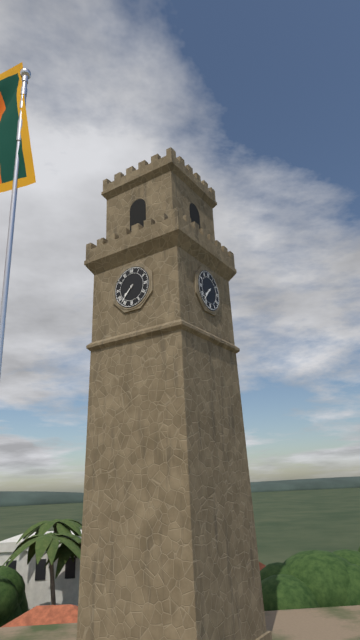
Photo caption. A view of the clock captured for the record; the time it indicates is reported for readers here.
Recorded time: 7:37
